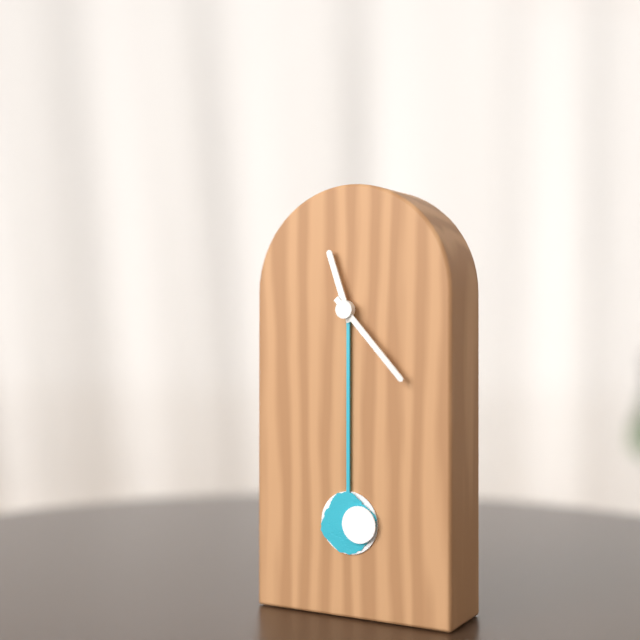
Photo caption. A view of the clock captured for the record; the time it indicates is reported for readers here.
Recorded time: 11:23
